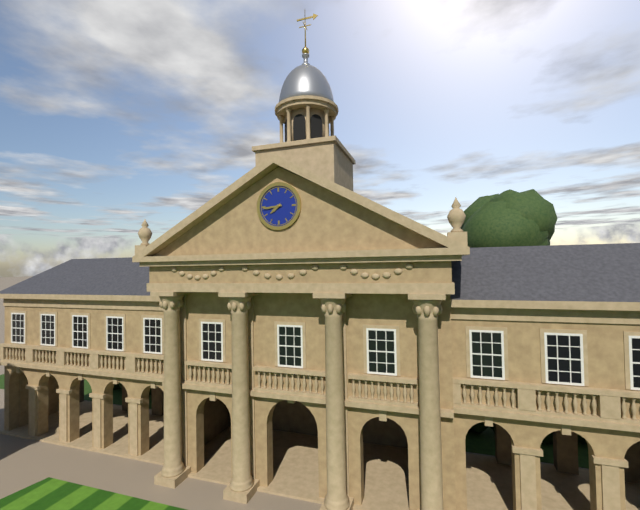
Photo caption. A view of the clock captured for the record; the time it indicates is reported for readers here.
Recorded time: 7:44
